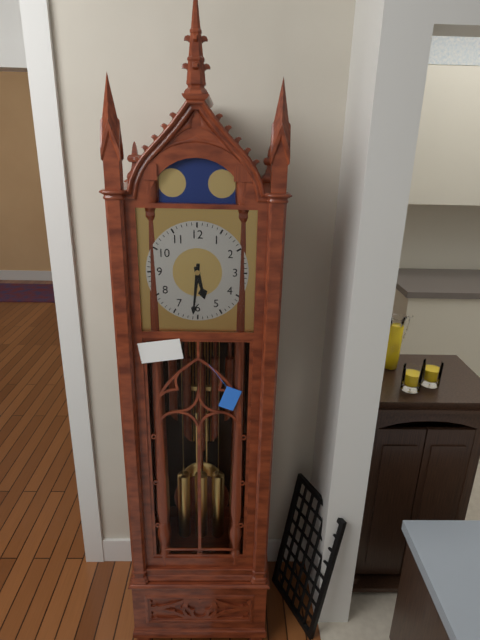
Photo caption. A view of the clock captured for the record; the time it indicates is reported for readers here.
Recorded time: 5:31
